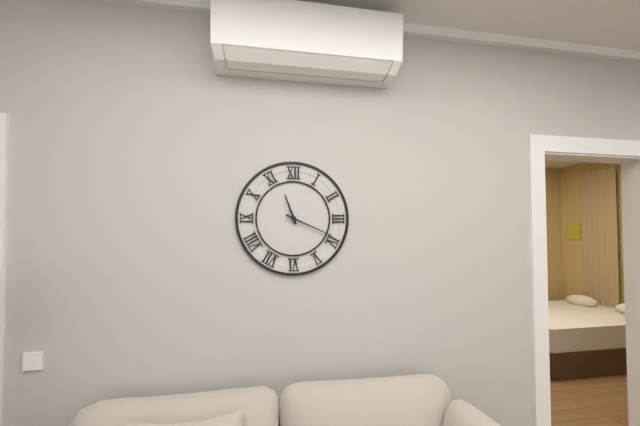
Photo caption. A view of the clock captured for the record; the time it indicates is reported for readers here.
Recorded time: 11:19
